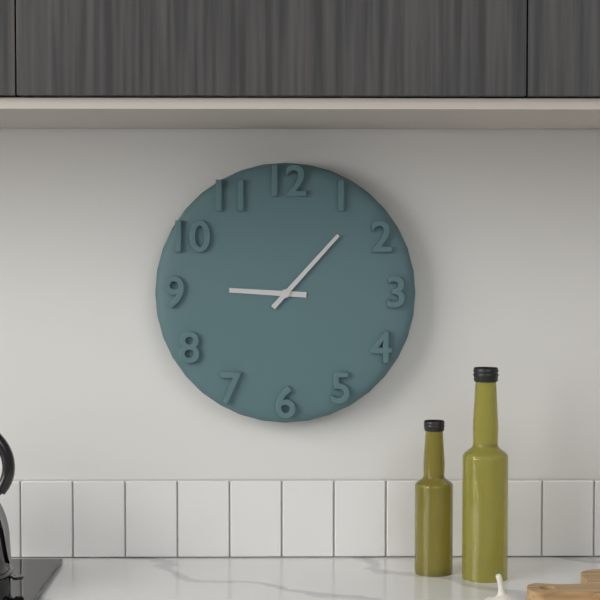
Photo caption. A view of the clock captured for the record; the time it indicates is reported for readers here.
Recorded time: 9:07
